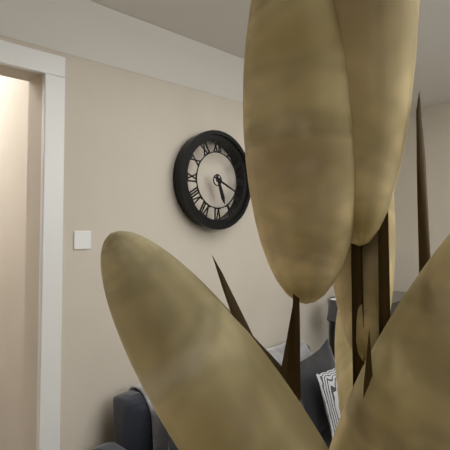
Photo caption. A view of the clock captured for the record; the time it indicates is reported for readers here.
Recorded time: 5:19
